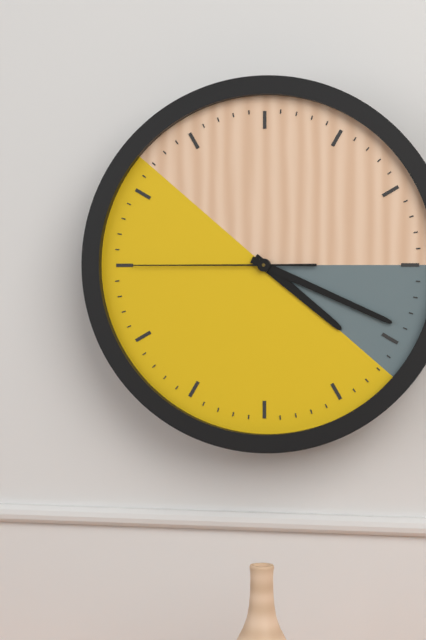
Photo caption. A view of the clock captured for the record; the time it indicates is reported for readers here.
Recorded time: 4:19:45
